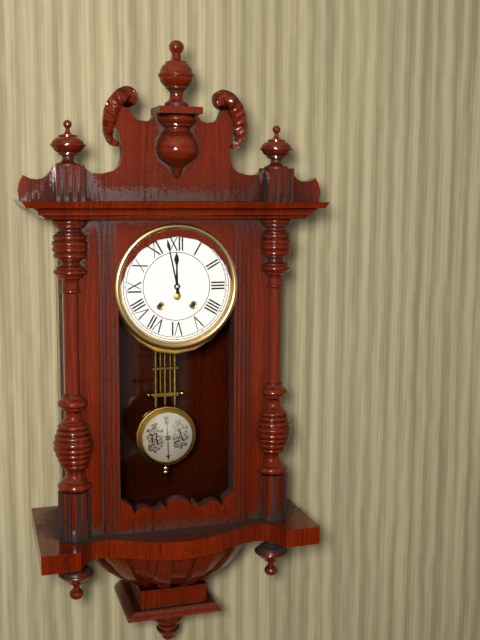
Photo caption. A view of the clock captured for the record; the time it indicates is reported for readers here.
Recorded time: 11:58
